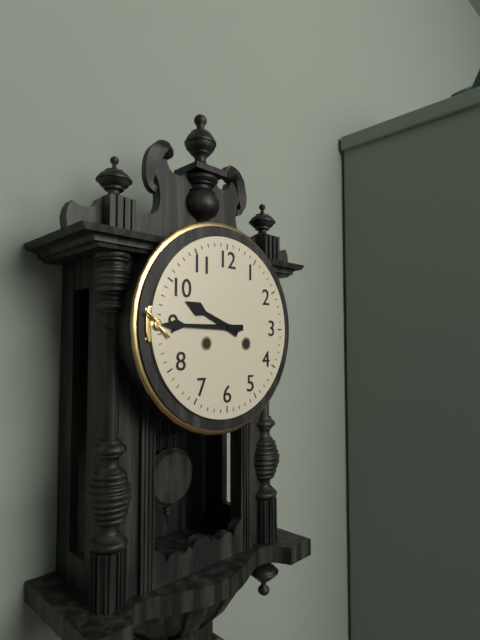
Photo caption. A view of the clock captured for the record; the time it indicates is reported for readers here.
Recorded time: 9:45
